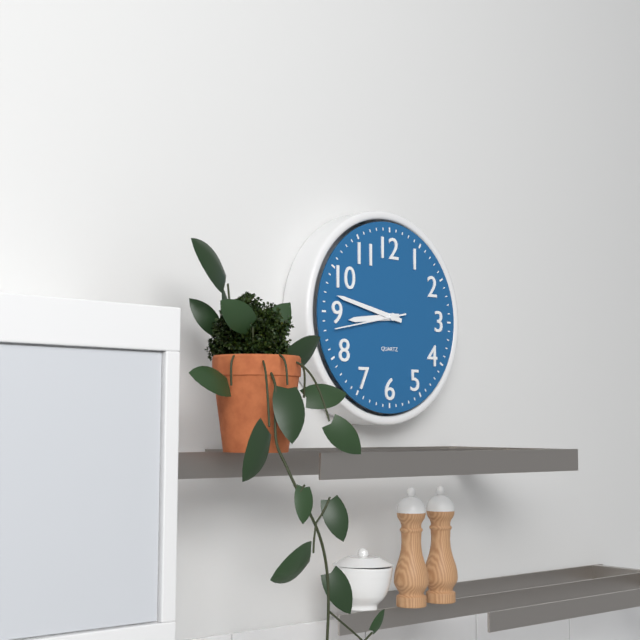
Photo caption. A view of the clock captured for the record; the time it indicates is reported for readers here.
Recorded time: 8:47:43
